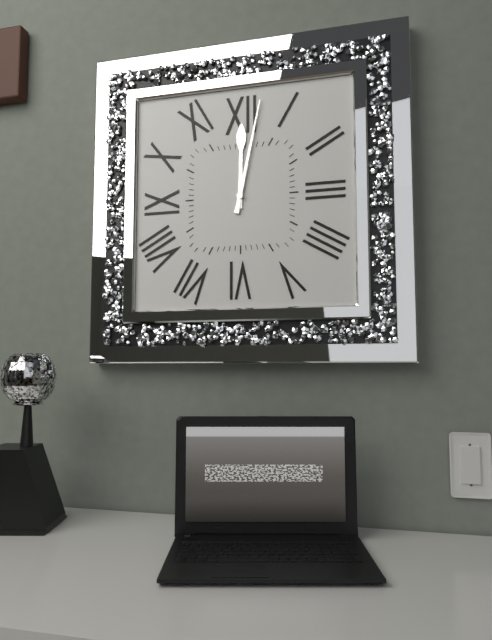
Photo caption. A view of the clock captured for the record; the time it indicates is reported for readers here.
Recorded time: 12:02
